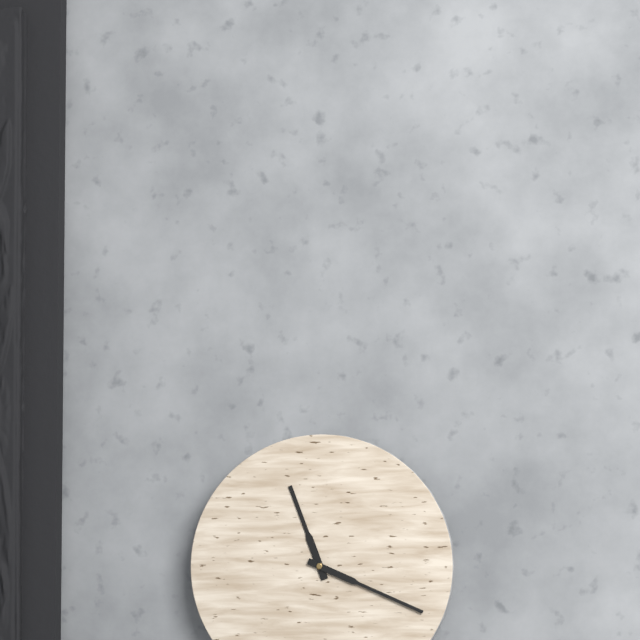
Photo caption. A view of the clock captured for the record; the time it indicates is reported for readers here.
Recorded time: 11:19
